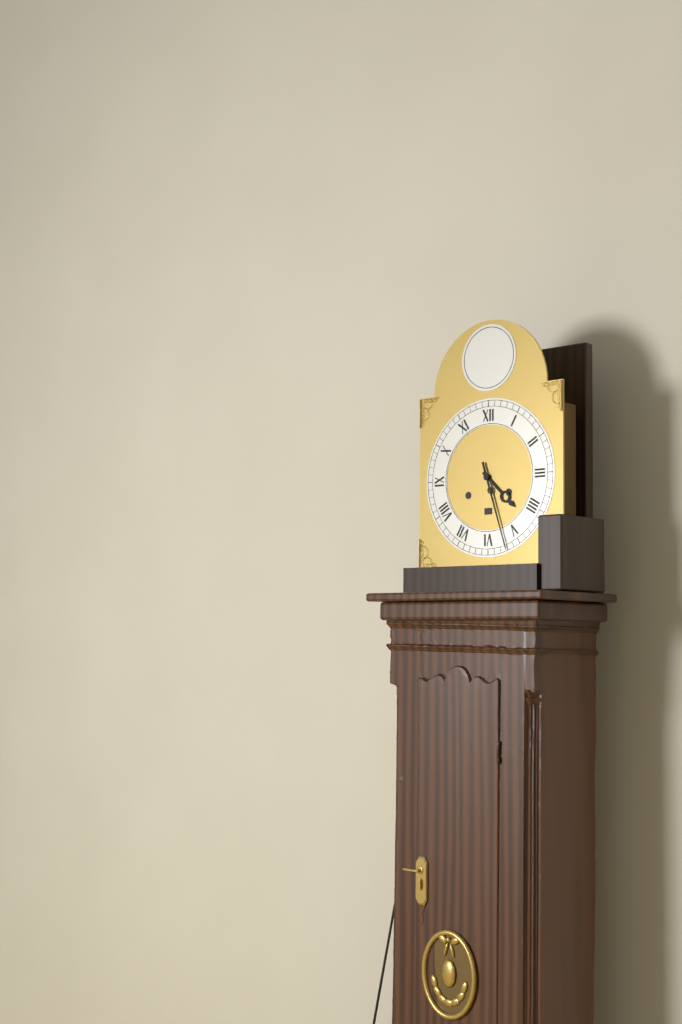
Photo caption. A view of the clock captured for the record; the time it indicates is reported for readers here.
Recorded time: 4:27
